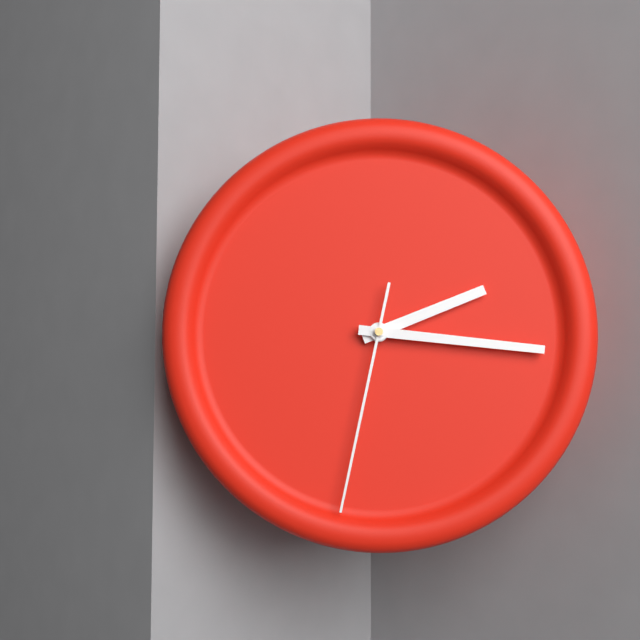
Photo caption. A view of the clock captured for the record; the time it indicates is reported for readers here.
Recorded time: 2:16:32
